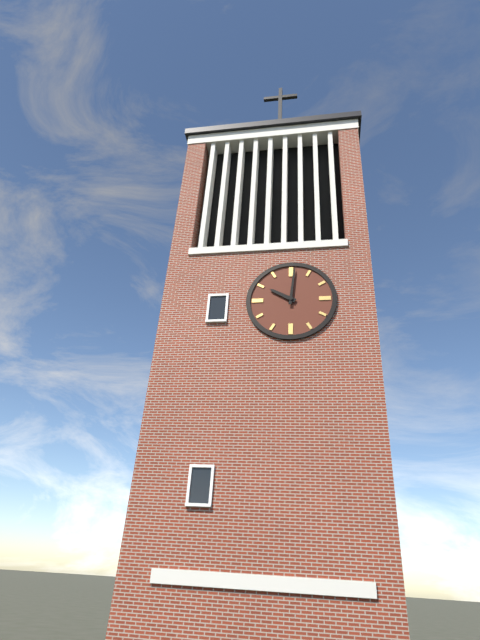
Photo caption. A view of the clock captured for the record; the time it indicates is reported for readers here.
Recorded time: 10:01
